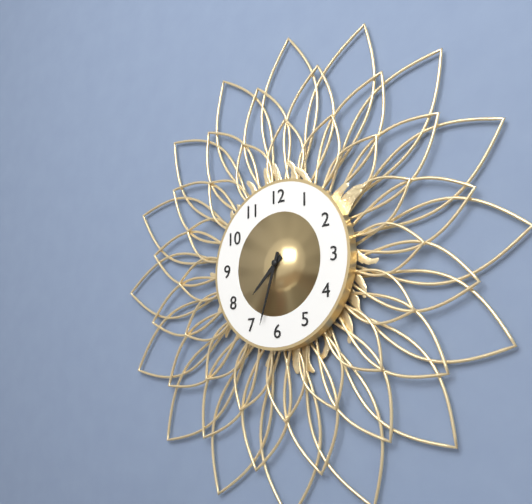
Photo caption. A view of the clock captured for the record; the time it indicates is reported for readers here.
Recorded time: 7:33
